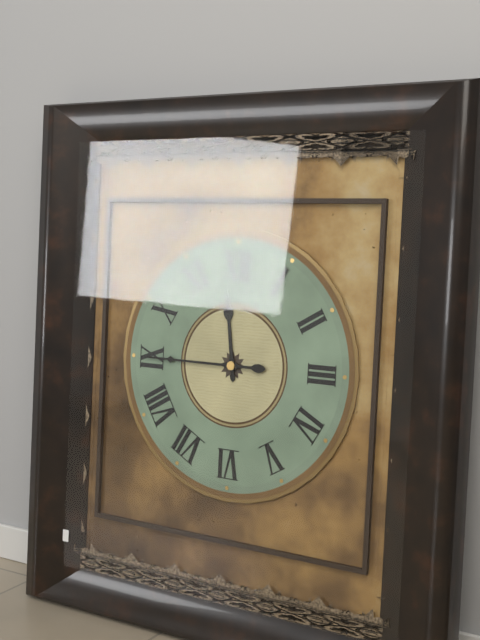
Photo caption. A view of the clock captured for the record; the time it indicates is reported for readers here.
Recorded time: 11:45
